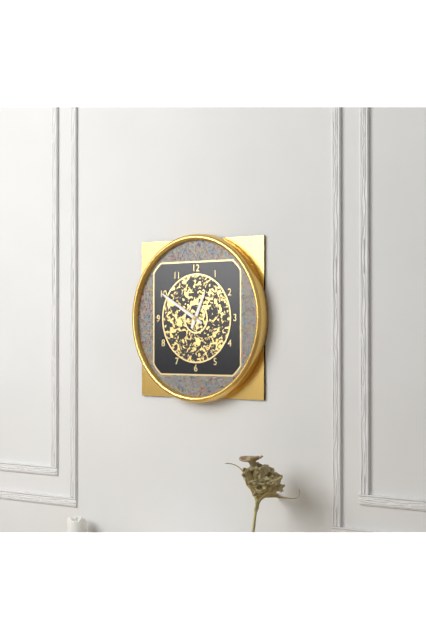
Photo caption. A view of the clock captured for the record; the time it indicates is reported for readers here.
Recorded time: 12:50
